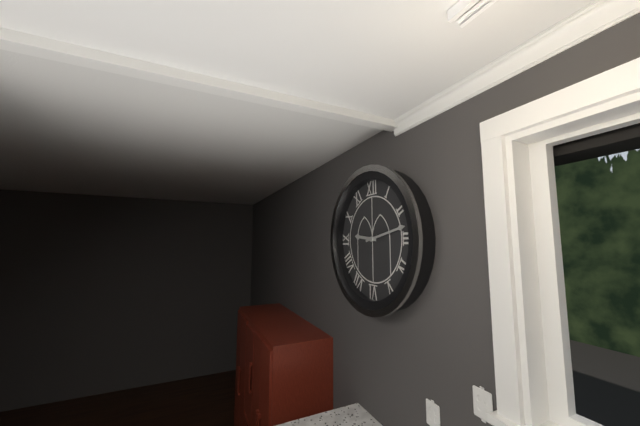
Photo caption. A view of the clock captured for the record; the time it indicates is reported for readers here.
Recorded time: 9:13
